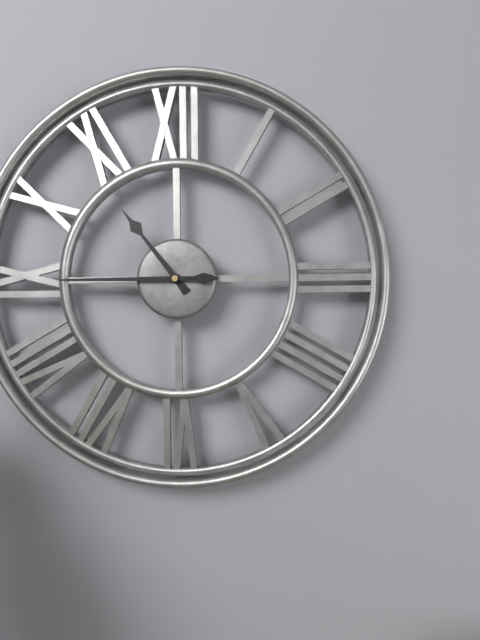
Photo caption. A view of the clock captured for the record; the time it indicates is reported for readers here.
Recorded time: 10:45
